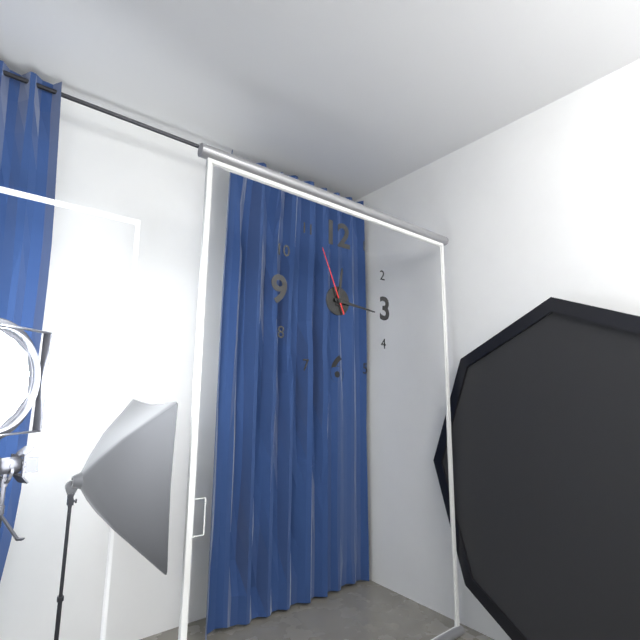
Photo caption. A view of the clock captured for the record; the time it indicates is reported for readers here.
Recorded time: 12:16:56
